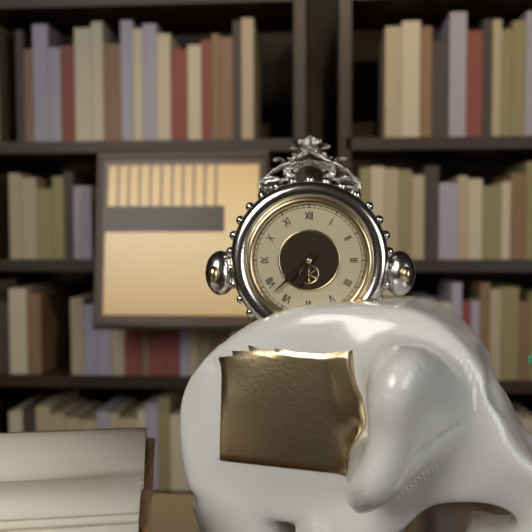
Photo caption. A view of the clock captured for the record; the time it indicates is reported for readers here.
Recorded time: 6:38
